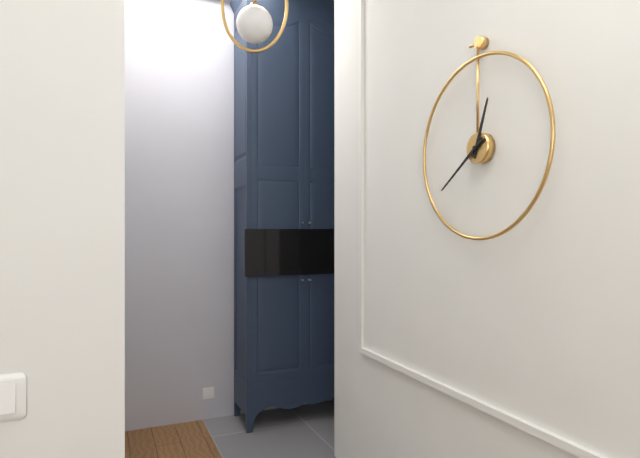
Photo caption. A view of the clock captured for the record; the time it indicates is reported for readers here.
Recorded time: 12:39
